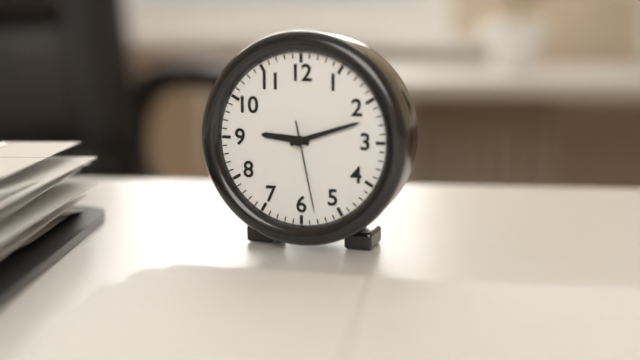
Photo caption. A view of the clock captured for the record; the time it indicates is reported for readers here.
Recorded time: 9:12:28
